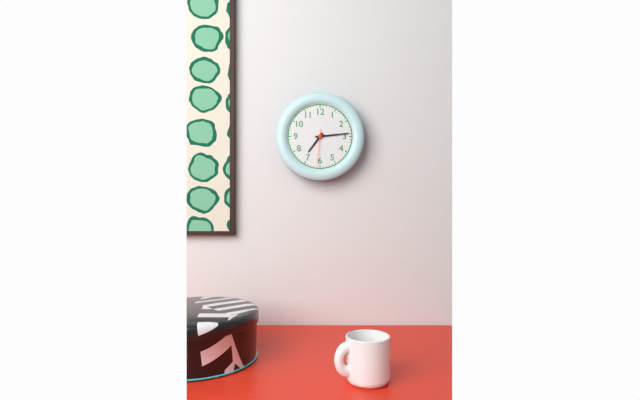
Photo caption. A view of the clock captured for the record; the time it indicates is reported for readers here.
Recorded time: 7:14
